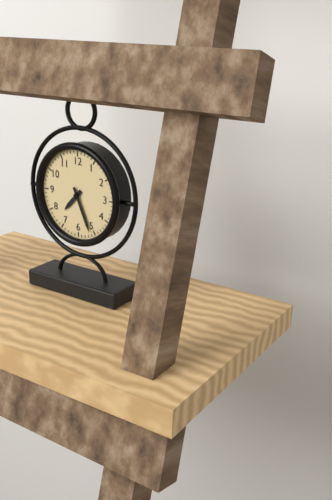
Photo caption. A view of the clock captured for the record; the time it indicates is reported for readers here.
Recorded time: 7:26
